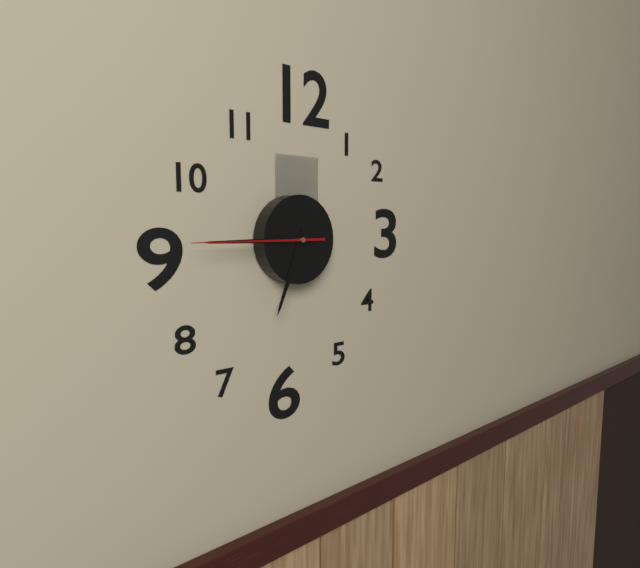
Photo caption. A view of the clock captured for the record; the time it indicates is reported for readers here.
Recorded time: 6:45:45
